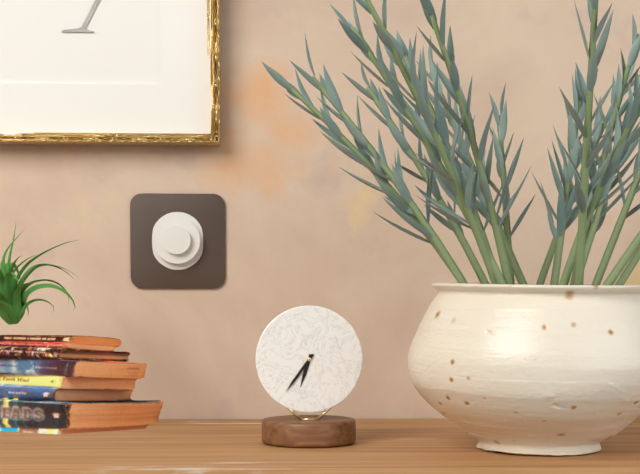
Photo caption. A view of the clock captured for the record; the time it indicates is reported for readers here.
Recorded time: 6:36
